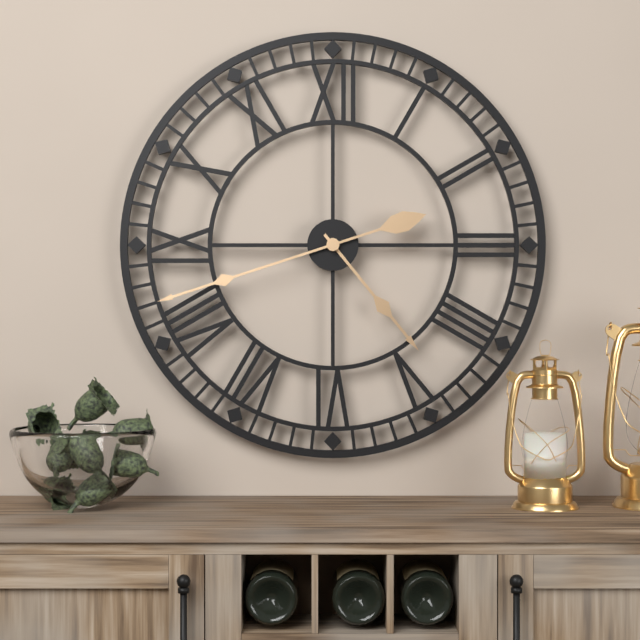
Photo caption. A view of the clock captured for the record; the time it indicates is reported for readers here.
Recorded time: 4:42
